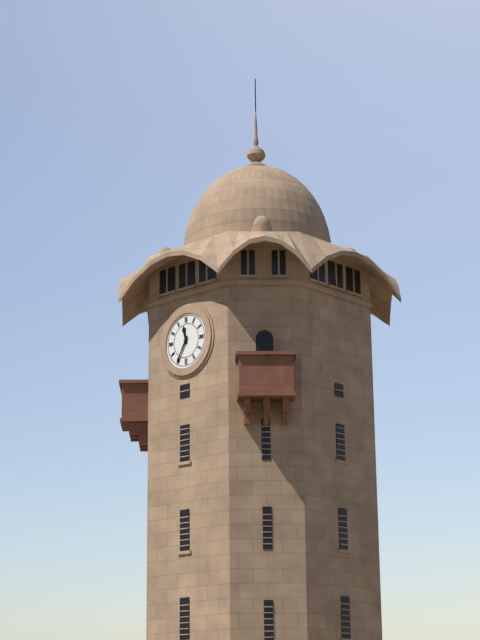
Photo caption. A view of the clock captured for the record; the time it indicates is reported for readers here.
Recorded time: 11:35
